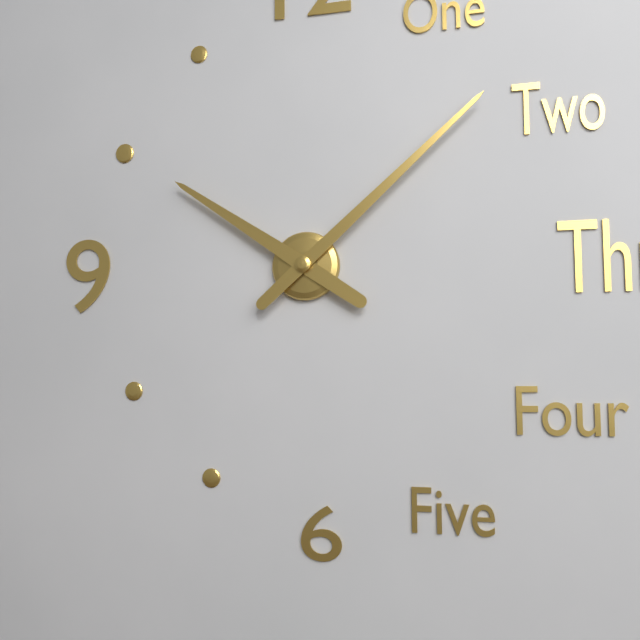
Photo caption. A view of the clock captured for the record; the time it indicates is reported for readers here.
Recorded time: 10:08
